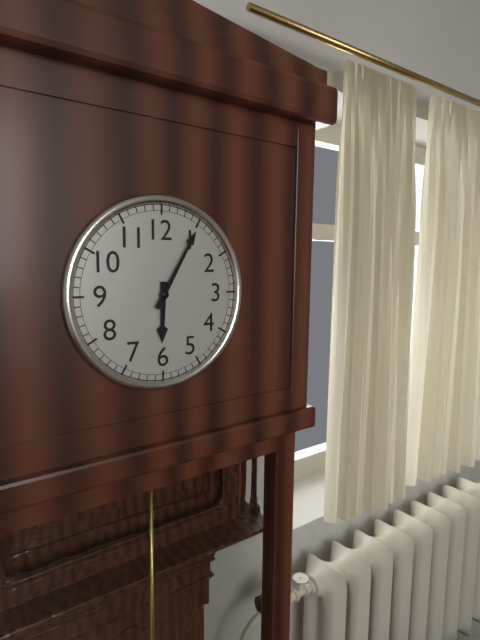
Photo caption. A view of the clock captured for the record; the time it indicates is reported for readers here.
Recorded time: 6:05
